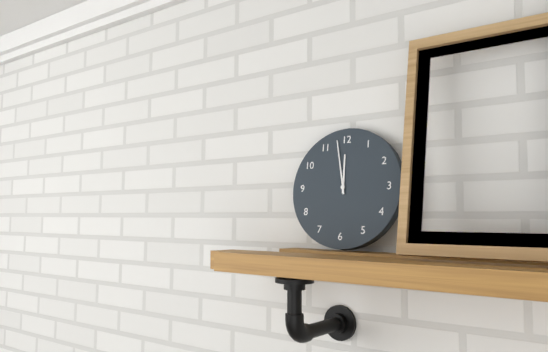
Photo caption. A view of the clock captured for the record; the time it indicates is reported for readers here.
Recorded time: 11:58
